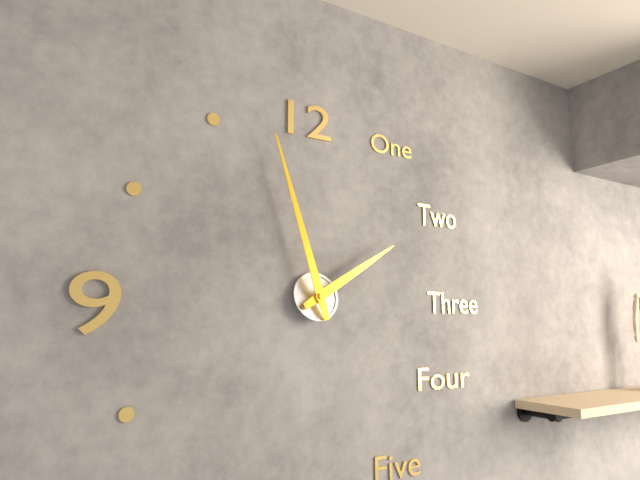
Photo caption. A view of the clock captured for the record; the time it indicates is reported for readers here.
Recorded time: 1:57
